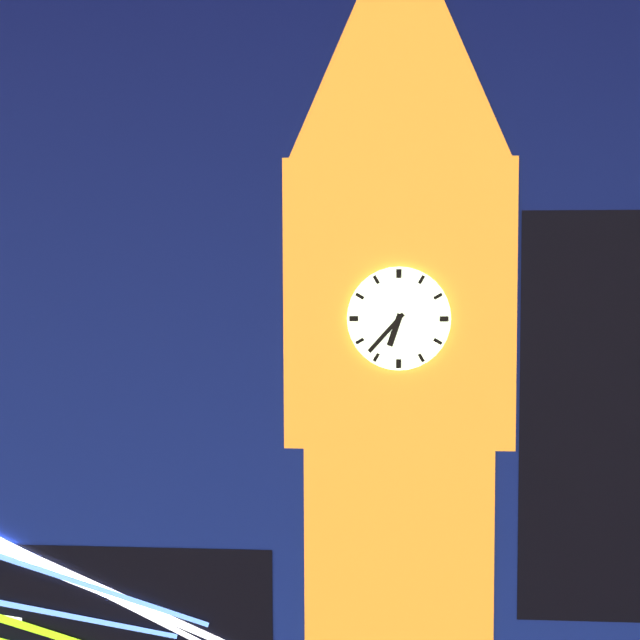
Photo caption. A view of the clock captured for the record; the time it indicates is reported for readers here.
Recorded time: 6:37
